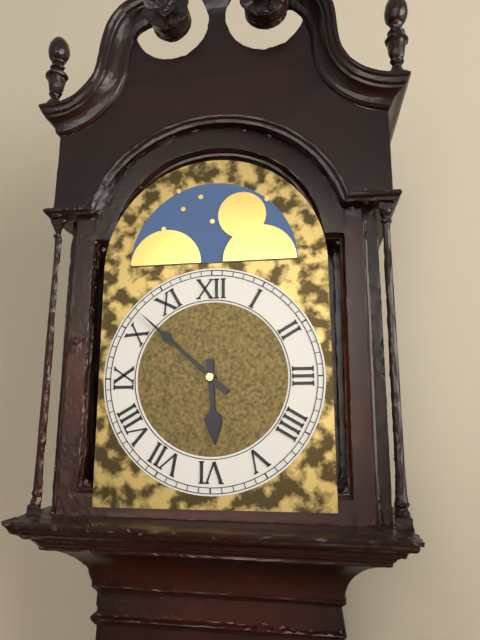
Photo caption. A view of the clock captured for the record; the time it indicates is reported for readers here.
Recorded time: 5:52
